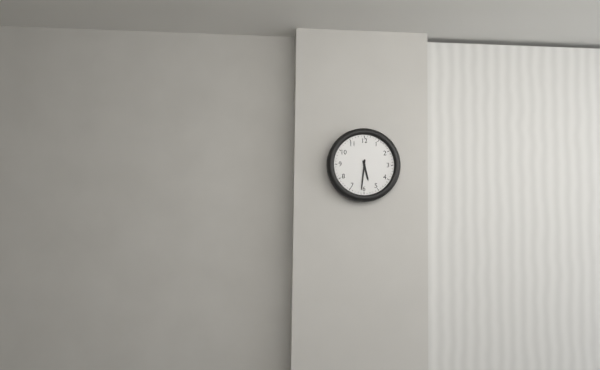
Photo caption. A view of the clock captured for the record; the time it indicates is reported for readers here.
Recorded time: 5:31
